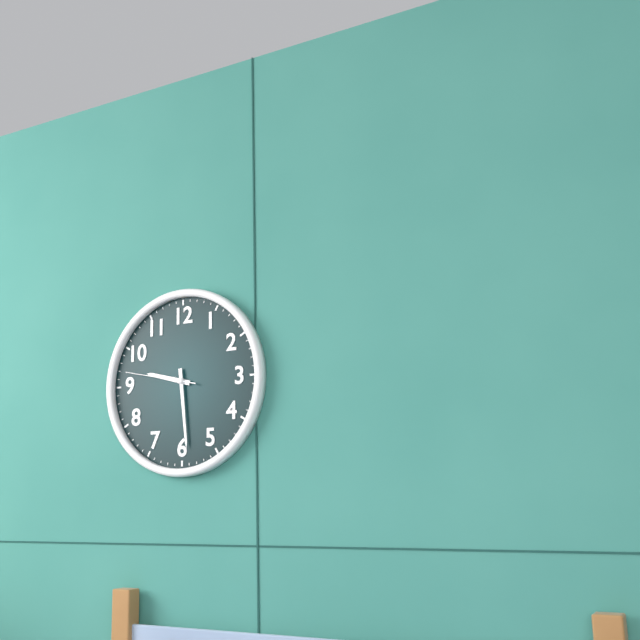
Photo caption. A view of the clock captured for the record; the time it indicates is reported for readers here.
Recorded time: 9:29:47
